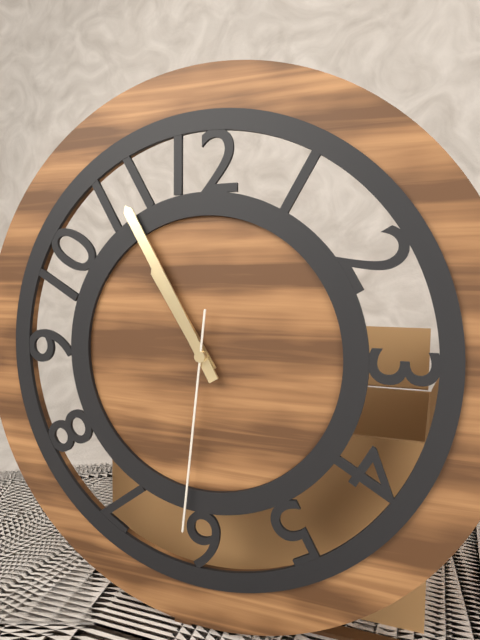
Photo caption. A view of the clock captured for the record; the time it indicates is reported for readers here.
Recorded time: 10:55:31
